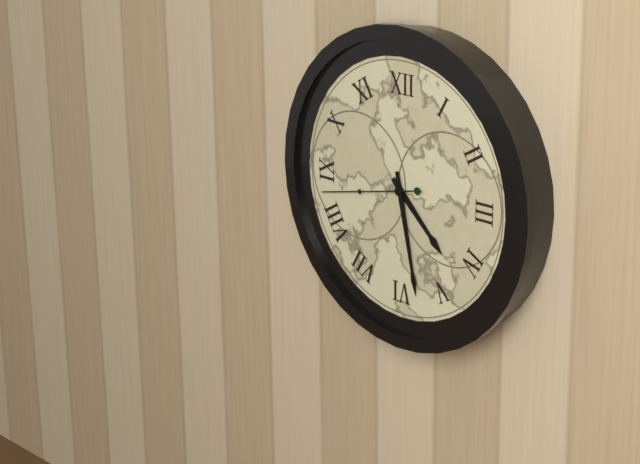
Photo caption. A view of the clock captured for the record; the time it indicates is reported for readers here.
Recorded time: 4:28:43
